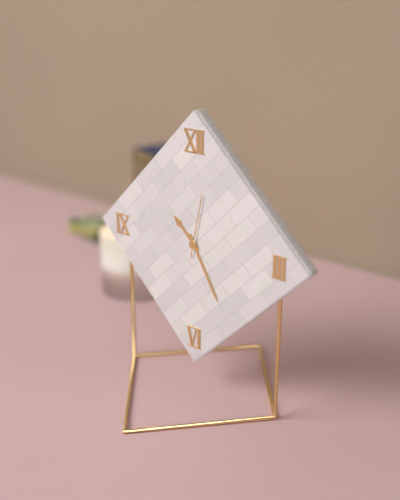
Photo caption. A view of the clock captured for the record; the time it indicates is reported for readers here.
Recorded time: 10:25:02
